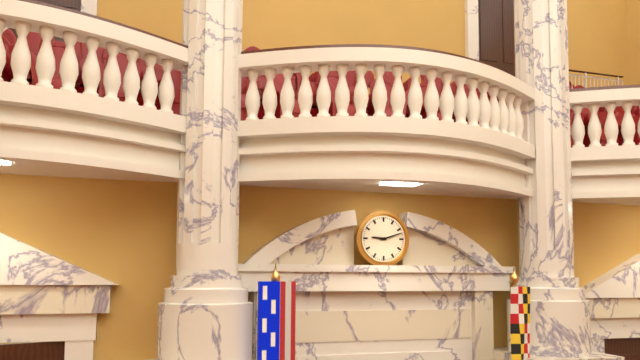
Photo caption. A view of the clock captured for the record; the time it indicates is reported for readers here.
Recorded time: 9:12
